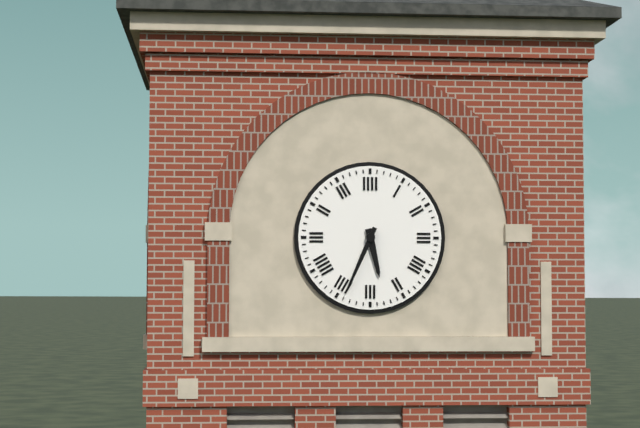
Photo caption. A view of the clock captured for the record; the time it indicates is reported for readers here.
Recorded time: 5:34
